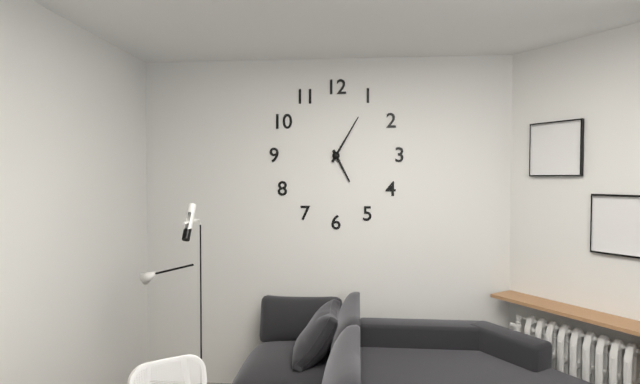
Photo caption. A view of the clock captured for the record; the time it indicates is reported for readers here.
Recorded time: 5:05
